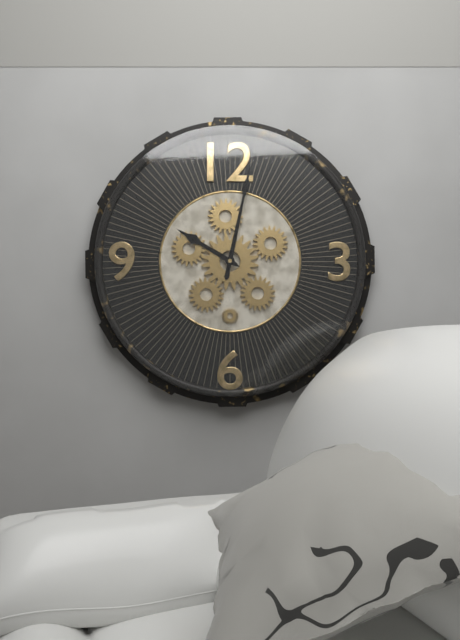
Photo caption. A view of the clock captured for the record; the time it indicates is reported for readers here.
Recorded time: 10:02
